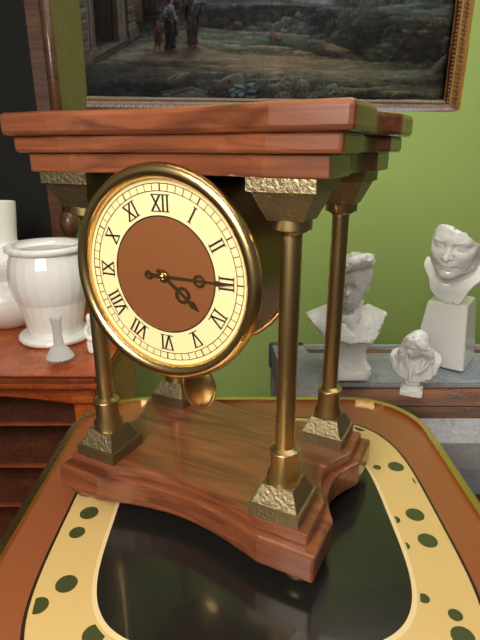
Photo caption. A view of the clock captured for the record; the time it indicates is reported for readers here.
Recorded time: 4:15
